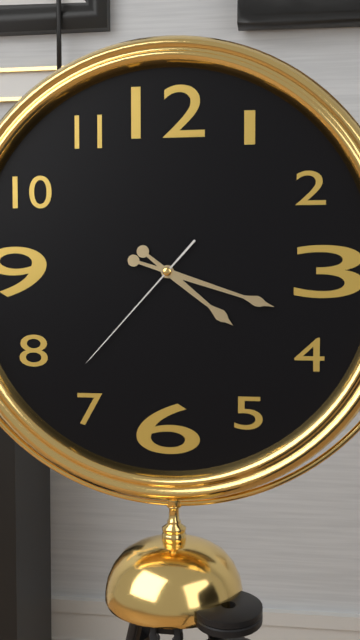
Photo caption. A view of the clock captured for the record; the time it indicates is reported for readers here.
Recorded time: 4:18:37
